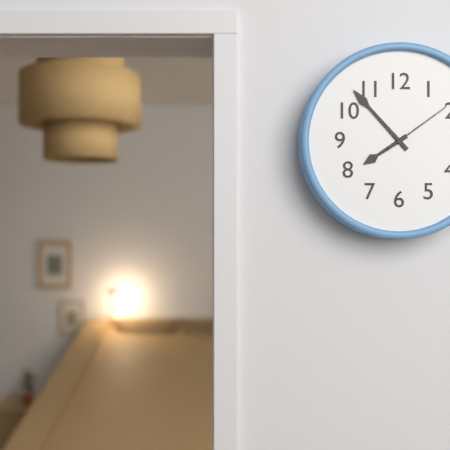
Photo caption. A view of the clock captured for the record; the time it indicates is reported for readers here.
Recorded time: 7:53:09
